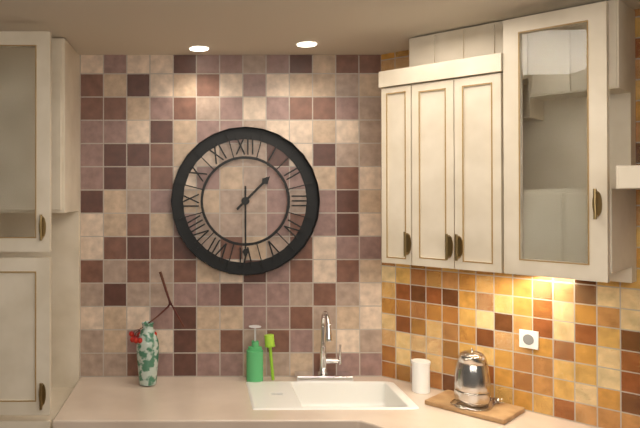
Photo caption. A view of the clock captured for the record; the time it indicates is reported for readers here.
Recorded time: 1:30
